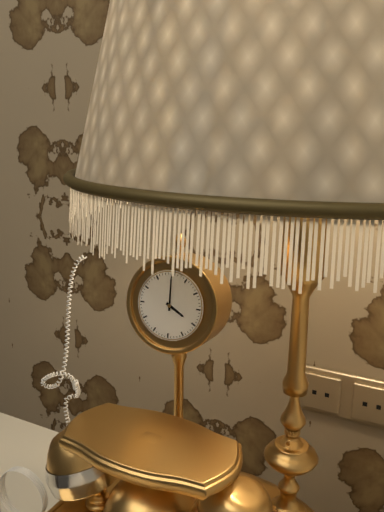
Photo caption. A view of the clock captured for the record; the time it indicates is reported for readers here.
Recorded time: 4:00
